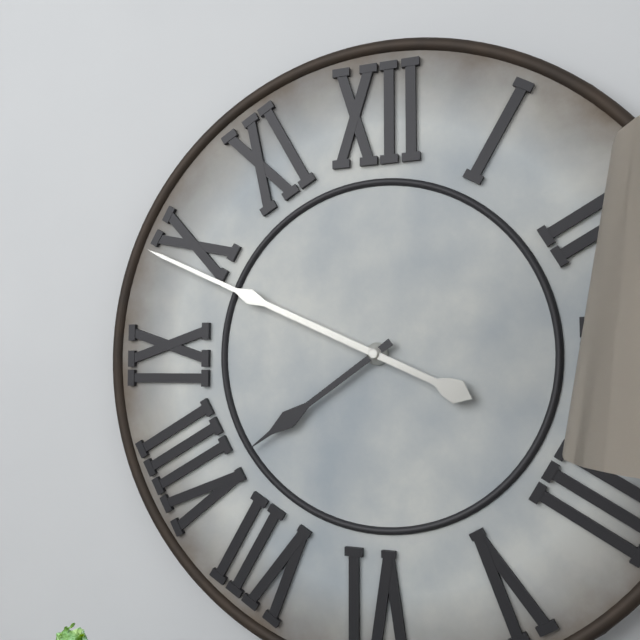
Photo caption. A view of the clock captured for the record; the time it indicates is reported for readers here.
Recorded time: 7:49
